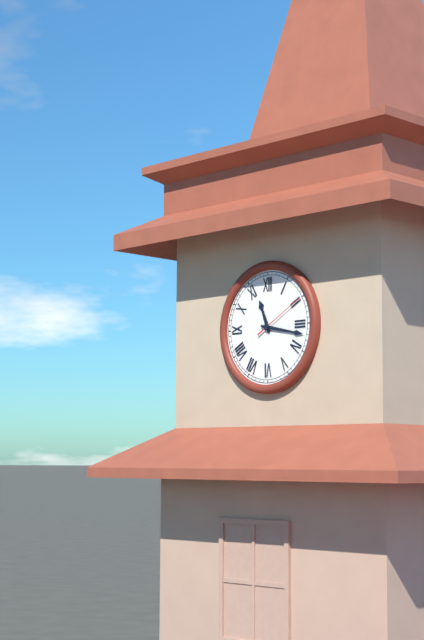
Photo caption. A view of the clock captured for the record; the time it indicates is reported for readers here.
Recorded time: 11:17:10
